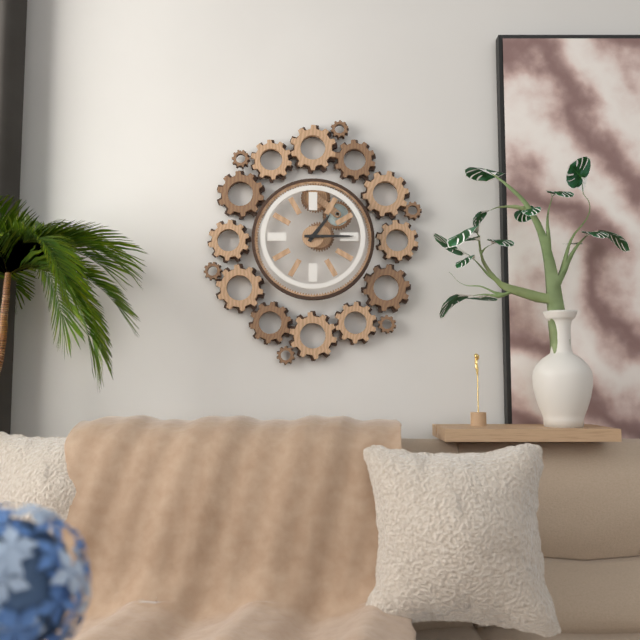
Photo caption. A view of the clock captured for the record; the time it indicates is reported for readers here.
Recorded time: 1:15
